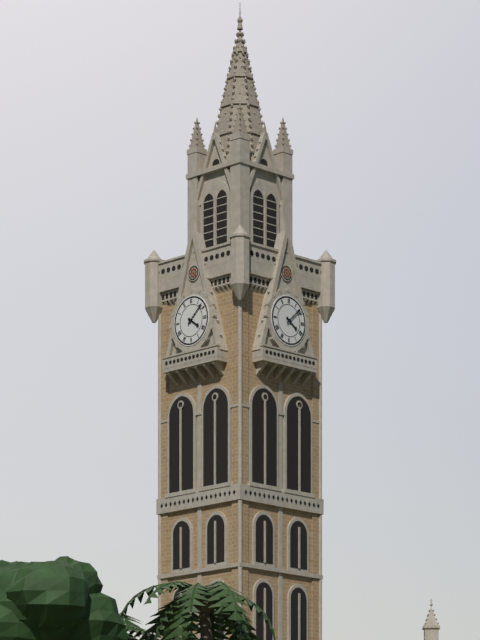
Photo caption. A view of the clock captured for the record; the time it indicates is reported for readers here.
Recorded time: 4:08
